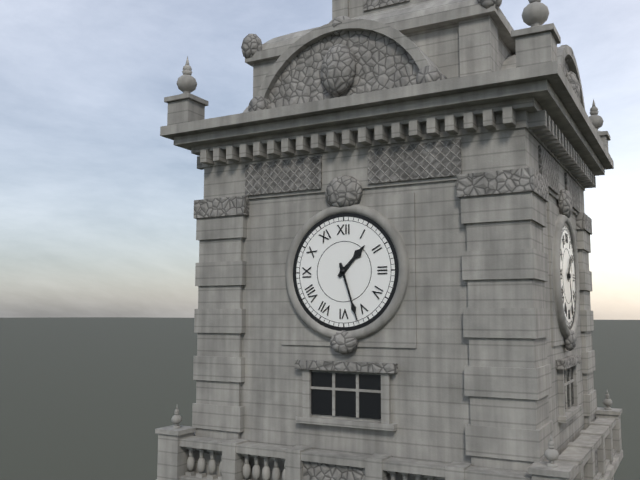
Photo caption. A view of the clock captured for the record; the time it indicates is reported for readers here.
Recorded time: 1:27
